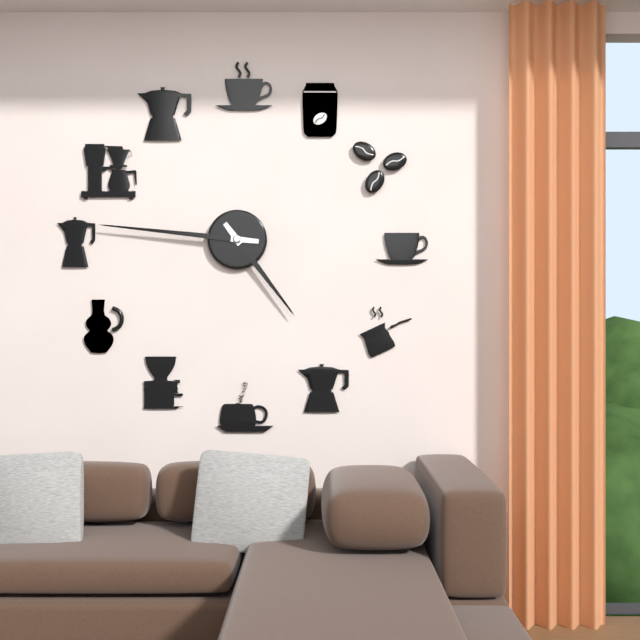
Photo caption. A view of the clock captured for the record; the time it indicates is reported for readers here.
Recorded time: 4:46
